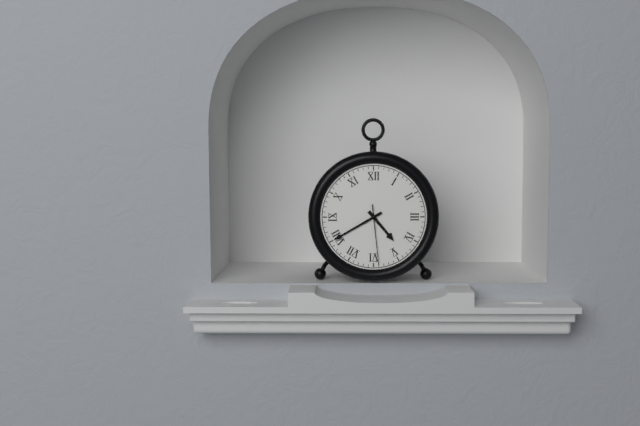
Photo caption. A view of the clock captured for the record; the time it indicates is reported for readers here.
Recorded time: 4:40:29
